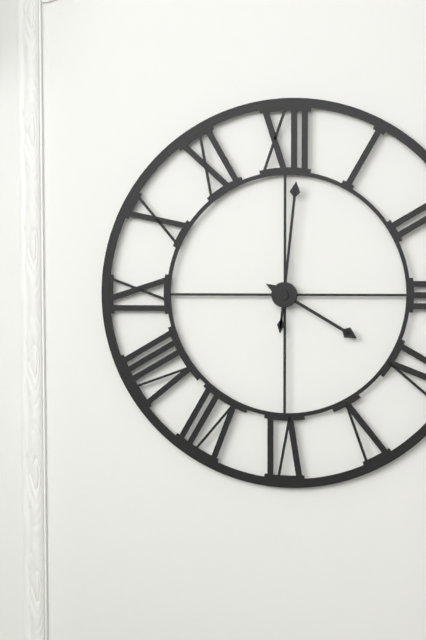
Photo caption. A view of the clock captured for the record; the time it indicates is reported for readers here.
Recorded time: 4:01
